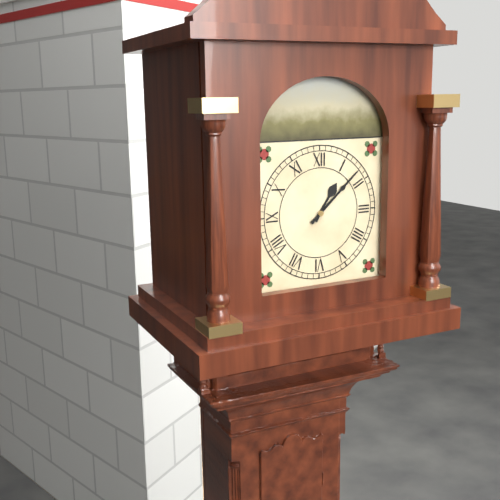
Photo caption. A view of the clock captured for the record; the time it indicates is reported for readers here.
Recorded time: 1:08
